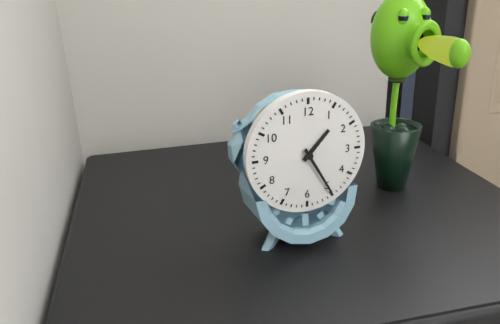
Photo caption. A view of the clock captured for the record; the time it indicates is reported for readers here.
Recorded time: 1:25
